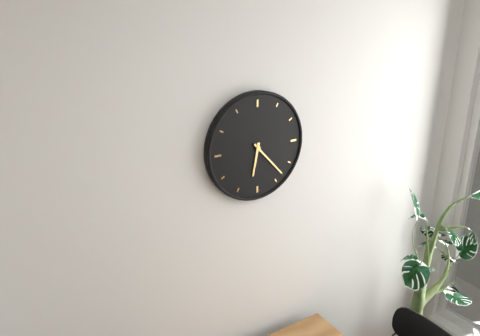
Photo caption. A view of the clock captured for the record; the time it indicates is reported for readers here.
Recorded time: 6:23
